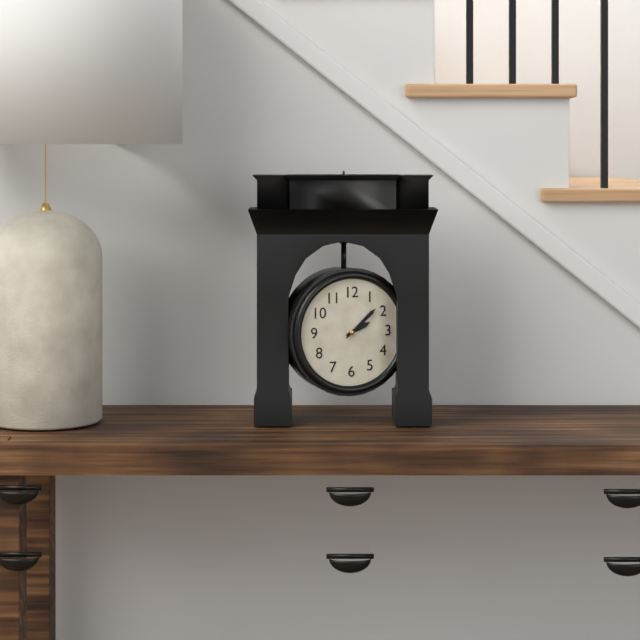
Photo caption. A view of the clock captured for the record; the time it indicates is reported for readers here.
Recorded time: 2:08
